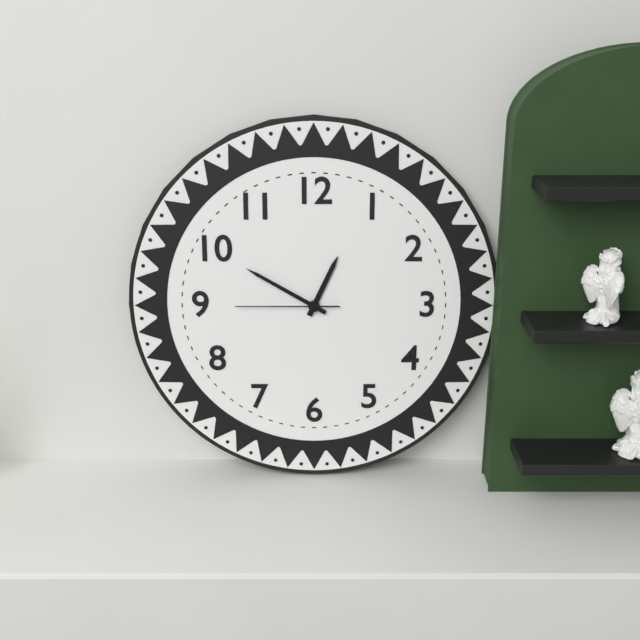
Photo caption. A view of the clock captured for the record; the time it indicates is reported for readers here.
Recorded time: 12:50:45
